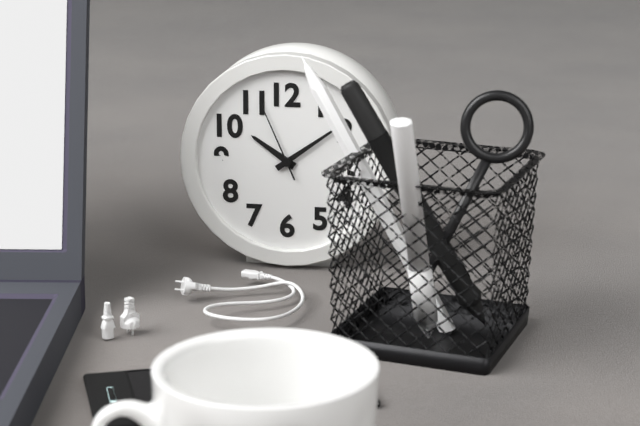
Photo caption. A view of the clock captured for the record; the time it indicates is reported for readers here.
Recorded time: 10:09:56
